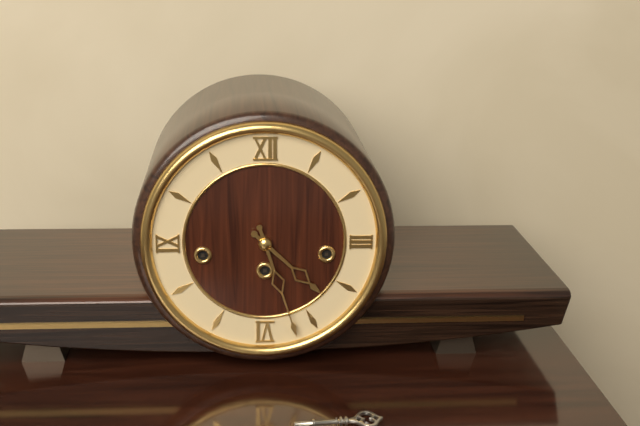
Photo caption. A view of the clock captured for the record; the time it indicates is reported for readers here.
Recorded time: 4:27
